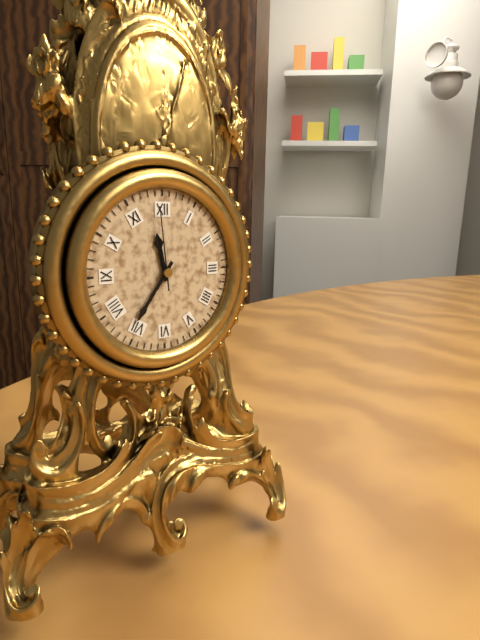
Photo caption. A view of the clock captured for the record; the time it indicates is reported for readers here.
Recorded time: 11:36:59
